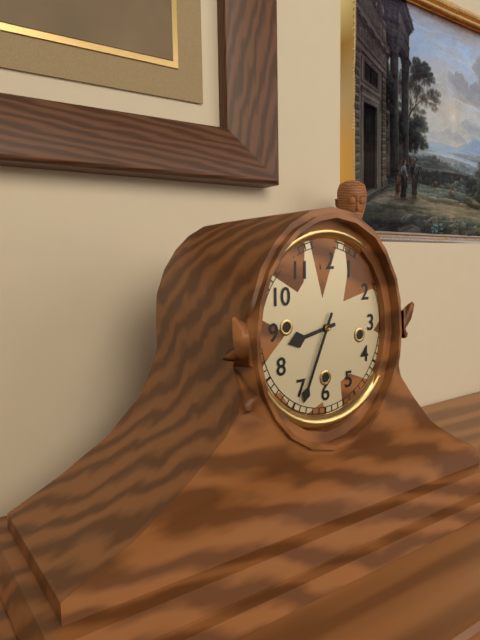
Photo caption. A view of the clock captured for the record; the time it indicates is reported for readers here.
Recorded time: 8:34
